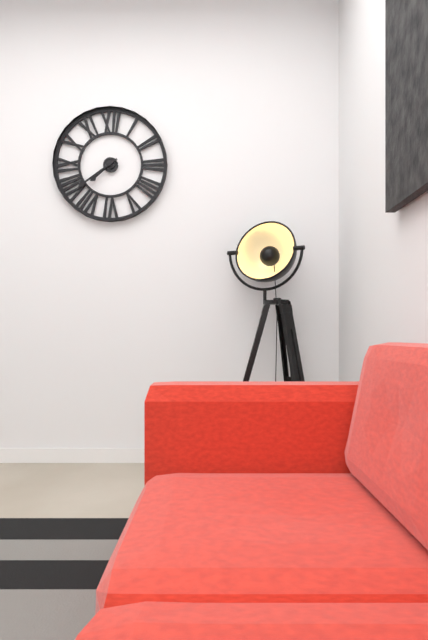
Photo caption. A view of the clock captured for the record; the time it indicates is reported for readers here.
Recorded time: 7:39
